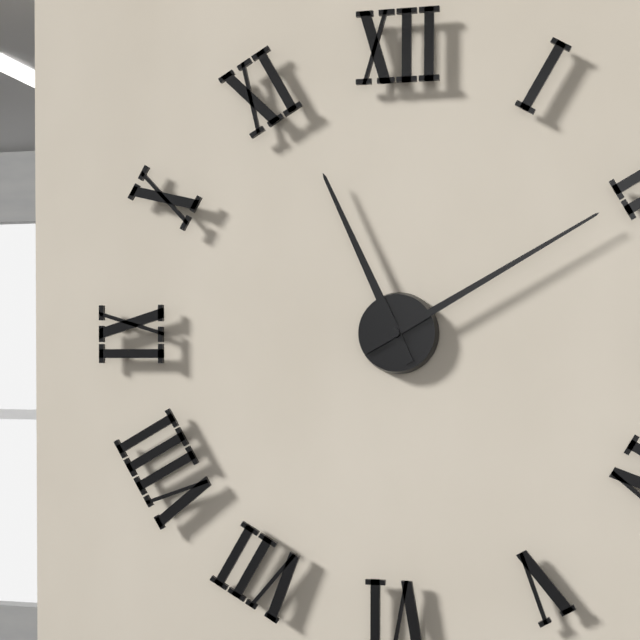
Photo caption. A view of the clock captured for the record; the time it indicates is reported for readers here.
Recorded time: 11:10
